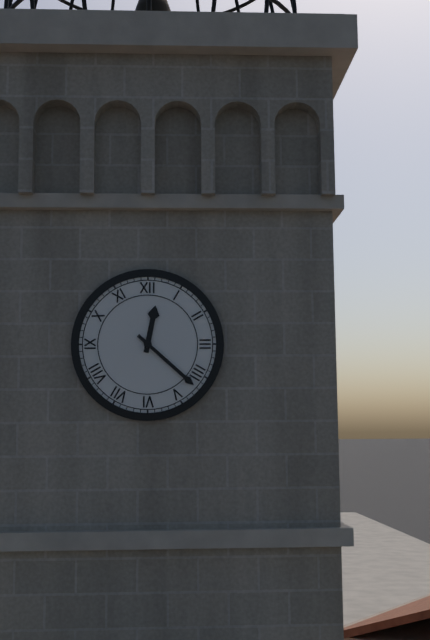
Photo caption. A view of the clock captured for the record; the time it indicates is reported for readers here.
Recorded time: 12:22
